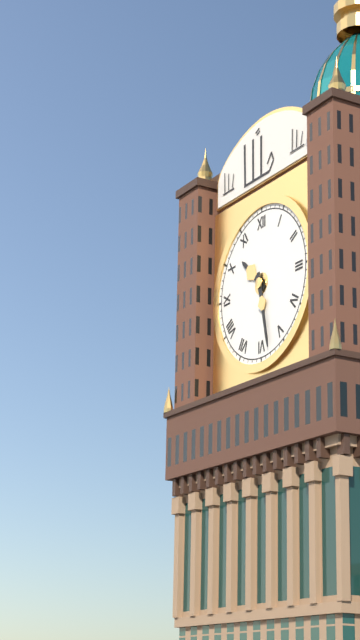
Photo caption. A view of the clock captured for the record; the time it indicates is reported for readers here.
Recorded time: 10:28
